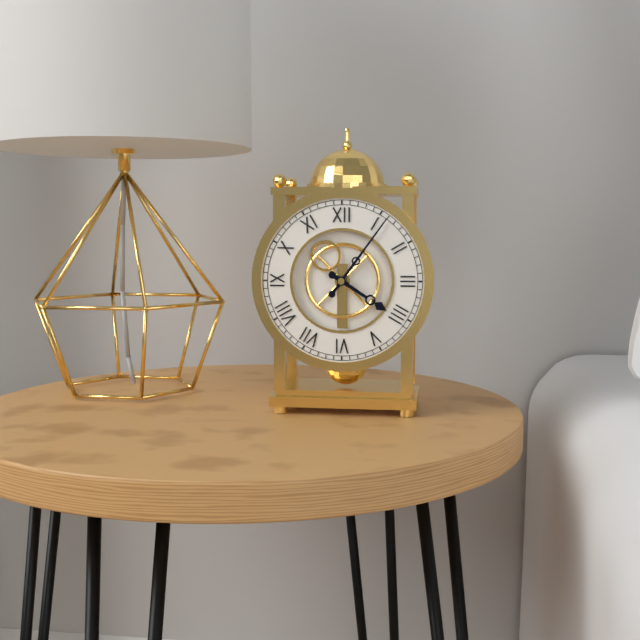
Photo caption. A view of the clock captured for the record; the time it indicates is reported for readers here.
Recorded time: 4:06
